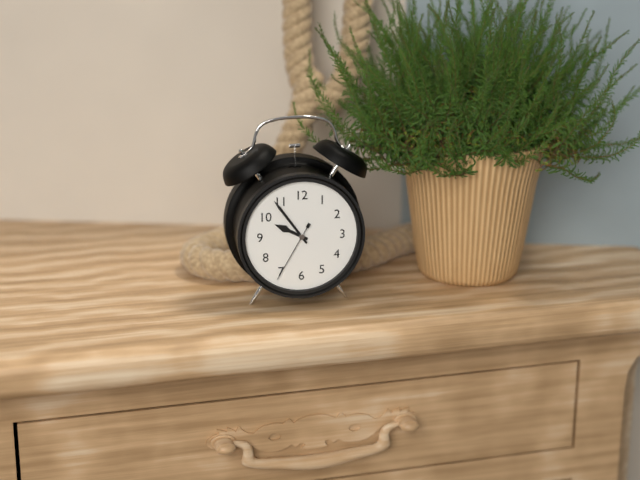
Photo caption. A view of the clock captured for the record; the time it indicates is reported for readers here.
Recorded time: 9:54:35
